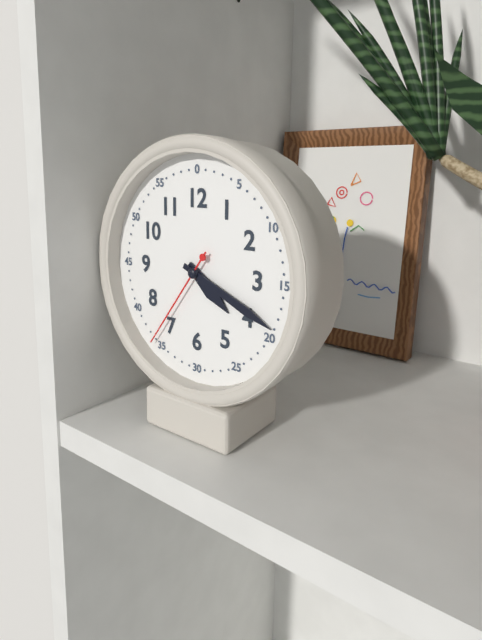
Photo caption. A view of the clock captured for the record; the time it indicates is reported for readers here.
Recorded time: 4:19:36
